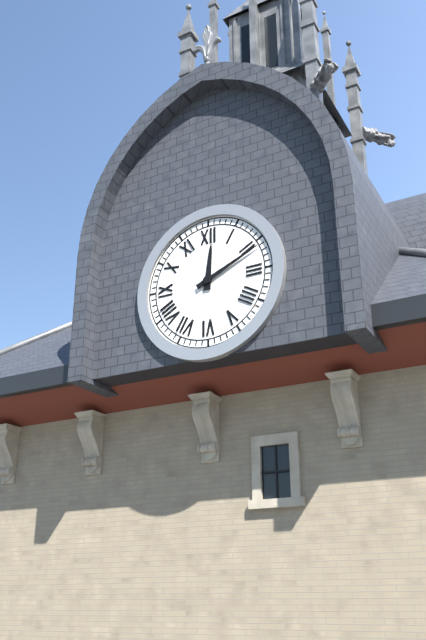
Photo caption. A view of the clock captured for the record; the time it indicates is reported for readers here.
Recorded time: 12:11
